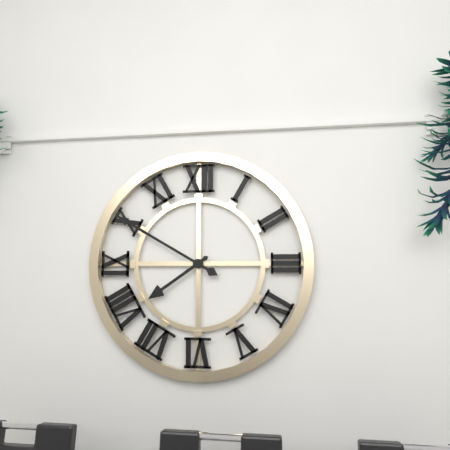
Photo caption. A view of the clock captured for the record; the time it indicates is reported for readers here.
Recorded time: 7:50
